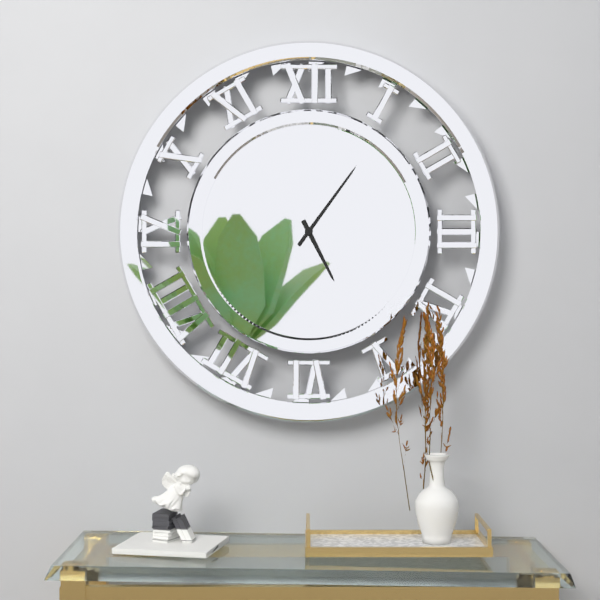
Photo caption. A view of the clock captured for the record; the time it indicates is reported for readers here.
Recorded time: 5:06
